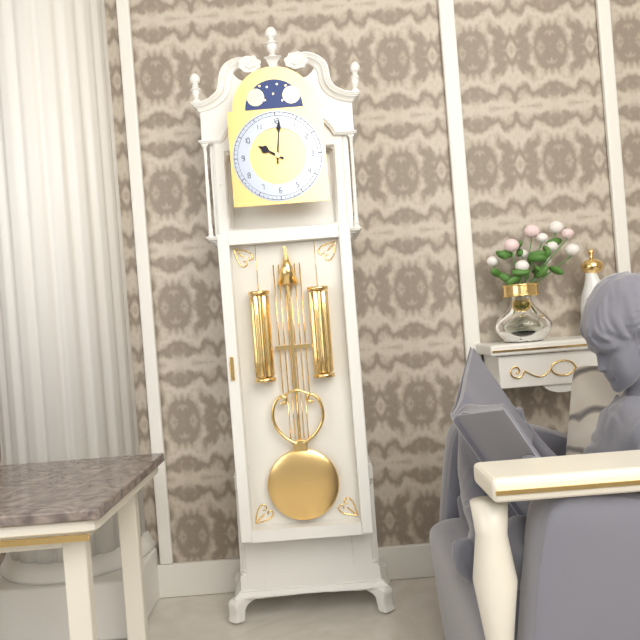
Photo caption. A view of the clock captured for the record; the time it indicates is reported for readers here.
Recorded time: 10:01
